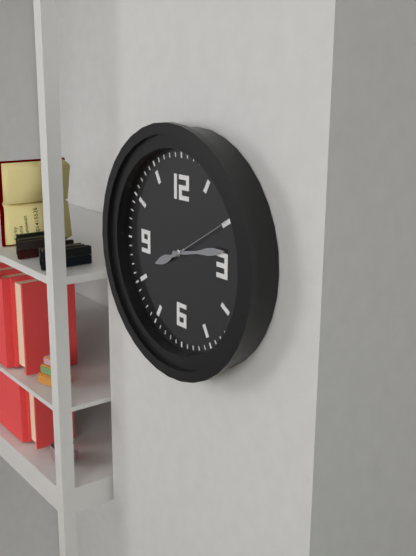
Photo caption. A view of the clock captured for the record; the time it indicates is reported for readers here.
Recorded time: 8:13:10
